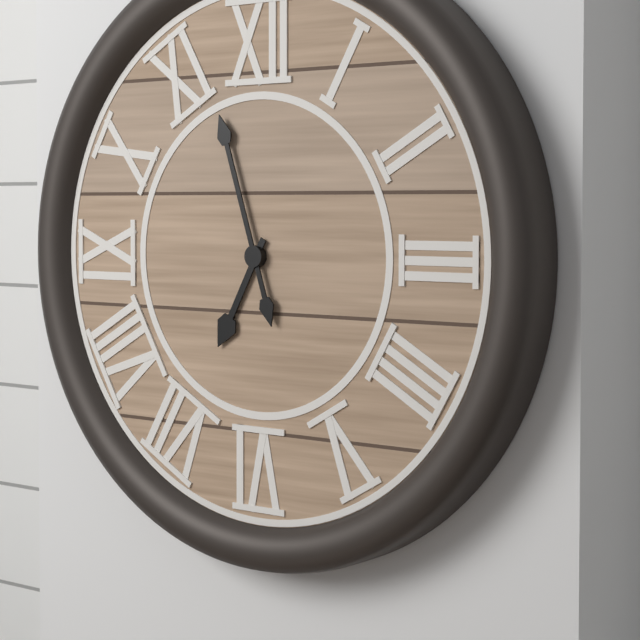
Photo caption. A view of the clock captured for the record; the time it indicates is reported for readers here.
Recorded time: 6:57
